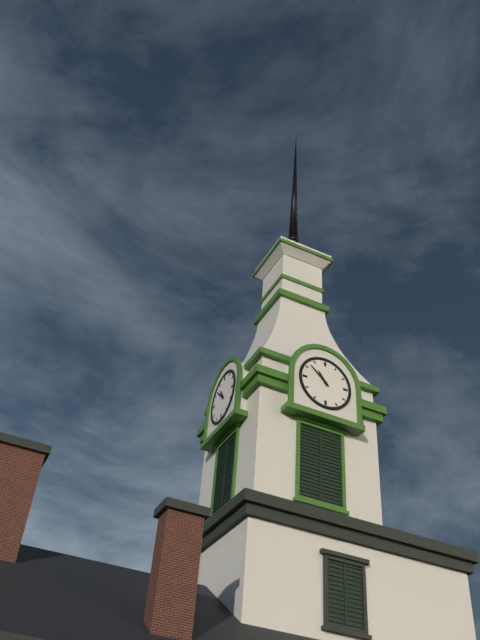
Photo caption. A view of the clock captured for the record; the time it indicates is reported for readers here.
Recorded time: 10:52
